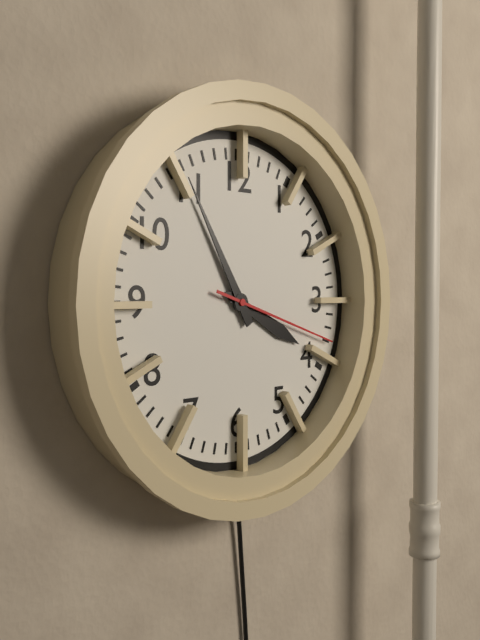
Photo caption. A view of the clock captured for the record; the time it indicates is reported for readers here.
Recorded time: 3:55:18
